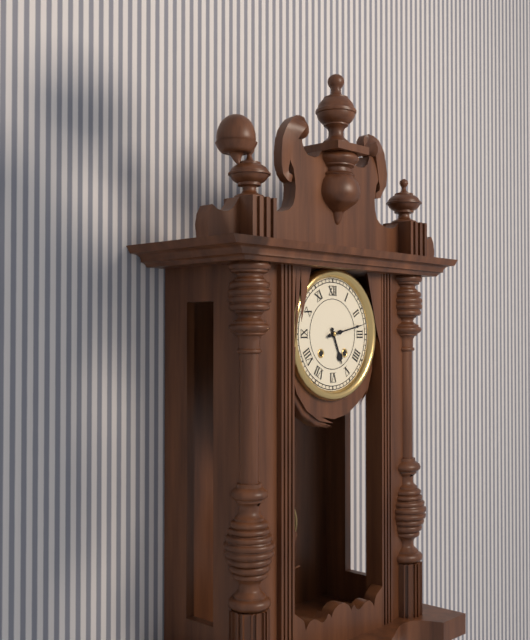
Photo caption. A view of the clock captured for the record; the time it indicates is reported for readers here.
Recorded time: 5:13
